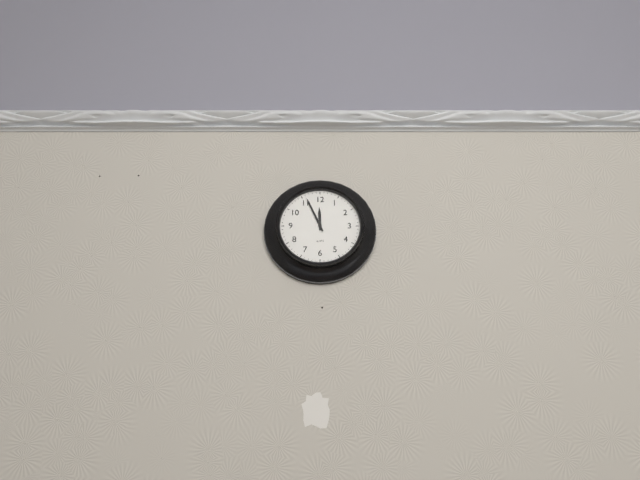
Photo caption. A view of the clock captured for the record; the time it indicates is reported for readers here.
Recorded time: 11:56
